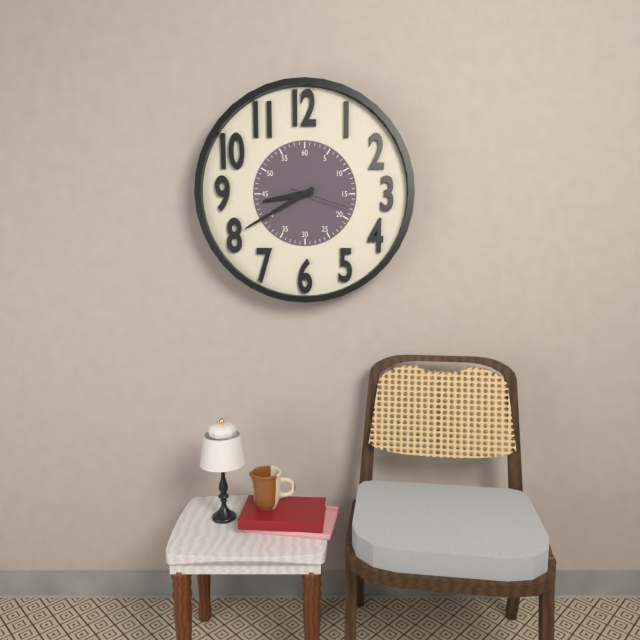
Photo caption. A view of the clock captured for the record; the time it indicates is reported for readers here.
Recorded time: 8:40:18
